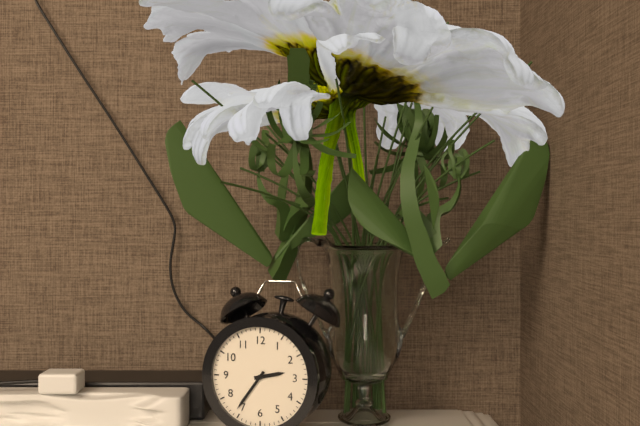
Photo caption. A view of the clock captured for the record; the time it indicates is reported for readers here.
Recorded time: 2:36
